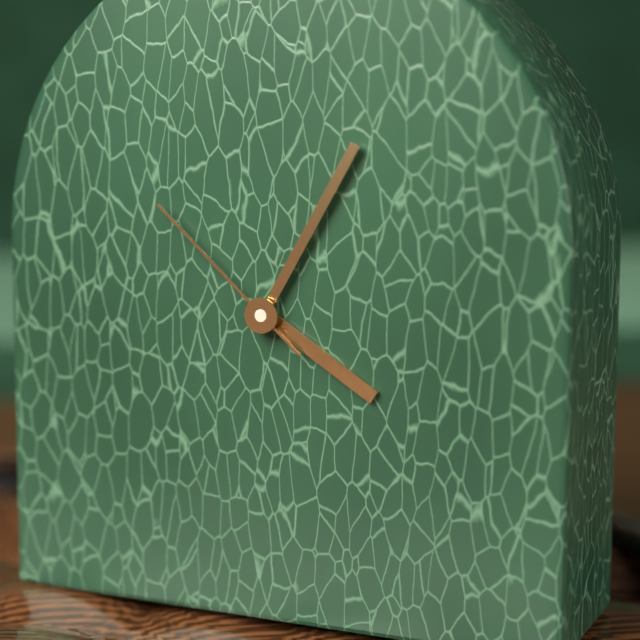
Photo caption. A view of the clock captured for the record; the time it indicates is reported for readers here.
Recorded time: 4:05:52
